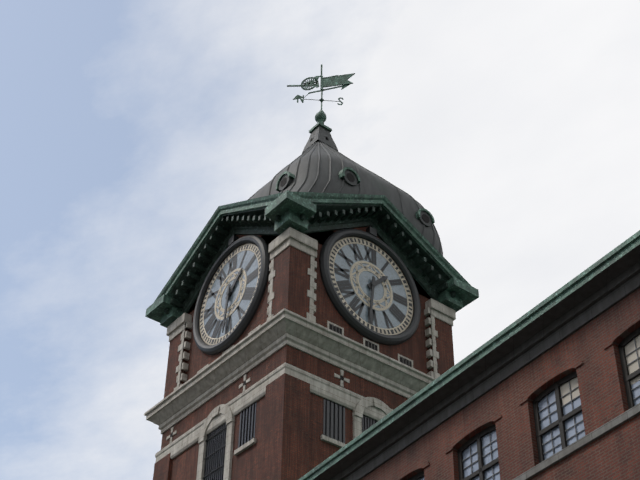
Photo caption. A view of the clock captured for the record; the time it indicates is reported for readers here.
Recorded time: 1:31
